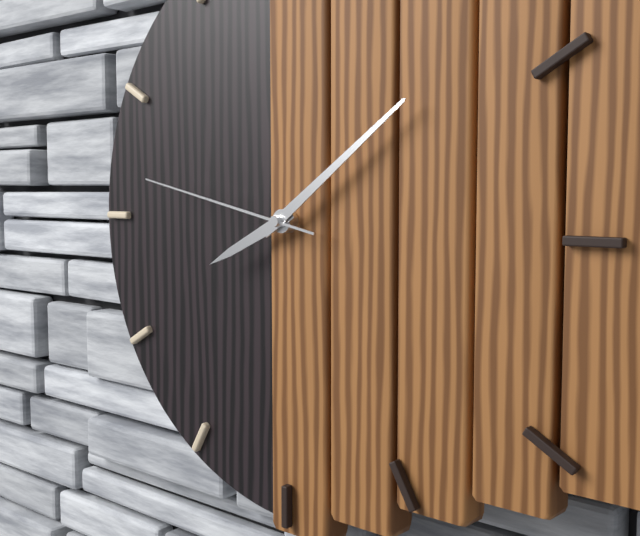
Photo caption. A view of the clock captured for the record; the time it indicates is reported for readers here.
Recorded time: 8:09:47
